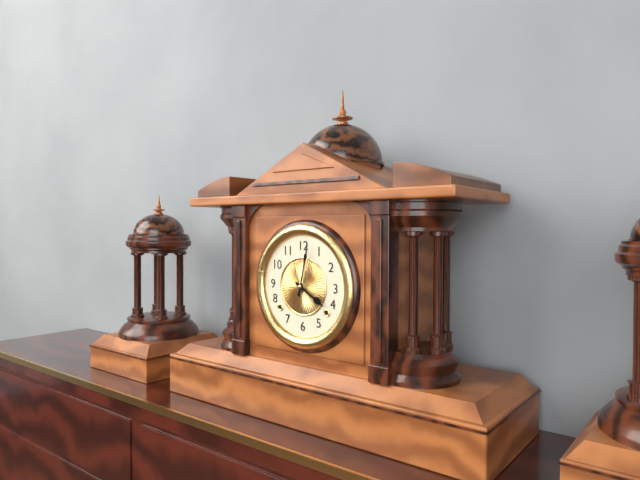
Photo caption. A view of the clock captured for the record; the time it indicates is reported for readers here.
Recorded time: 4:02
